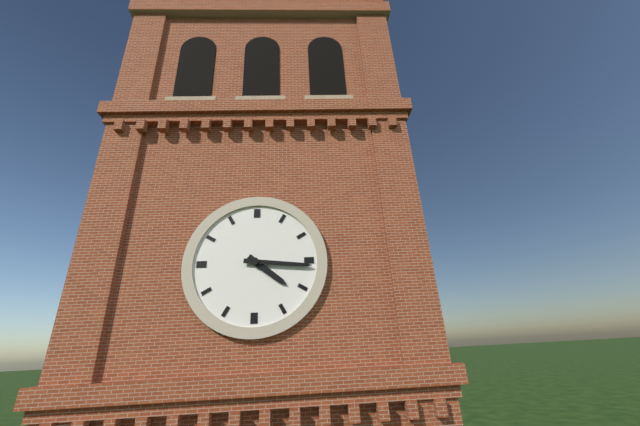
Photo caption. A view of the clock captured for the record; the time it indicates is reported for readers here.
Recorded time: 4:16
